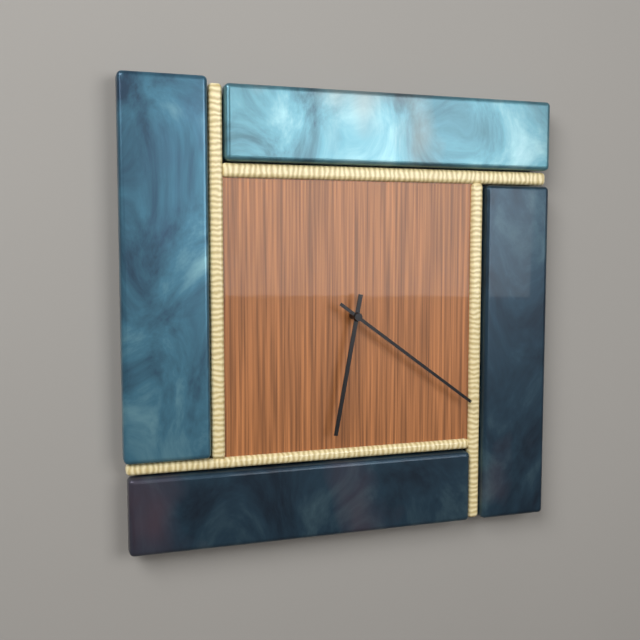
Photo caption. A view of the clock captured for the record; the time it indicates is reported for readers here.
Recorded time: 6:21
